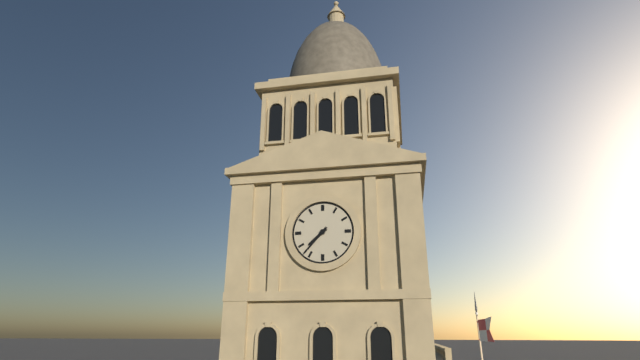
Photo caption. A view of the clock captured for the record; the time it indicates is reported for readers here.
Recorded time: 7:37
